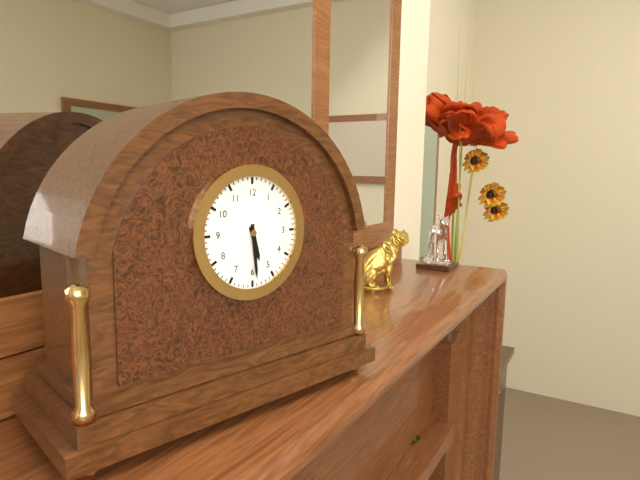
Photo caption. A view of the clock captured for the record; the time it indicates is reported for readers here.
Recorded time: 5:29
